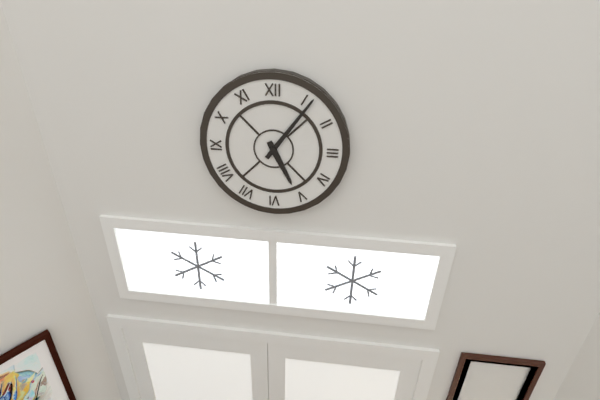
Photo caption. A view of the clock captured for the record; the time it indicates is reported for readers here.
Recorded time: 5:06
